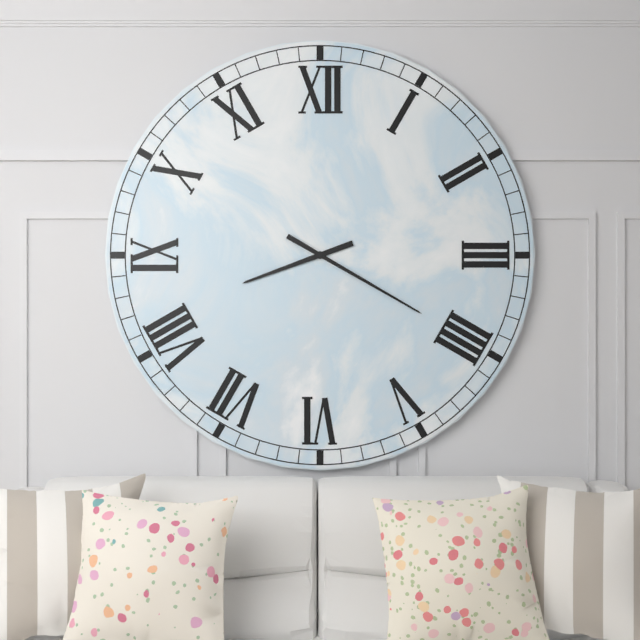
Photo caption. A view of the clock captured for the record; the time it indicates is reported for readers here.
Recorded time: 8:20
